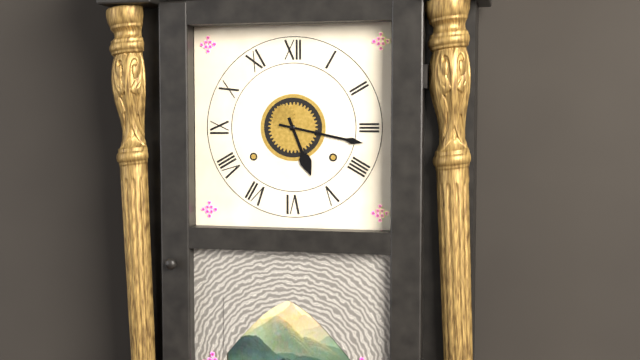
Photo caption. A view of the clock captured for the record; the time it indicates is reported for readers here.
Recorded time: 5:17
